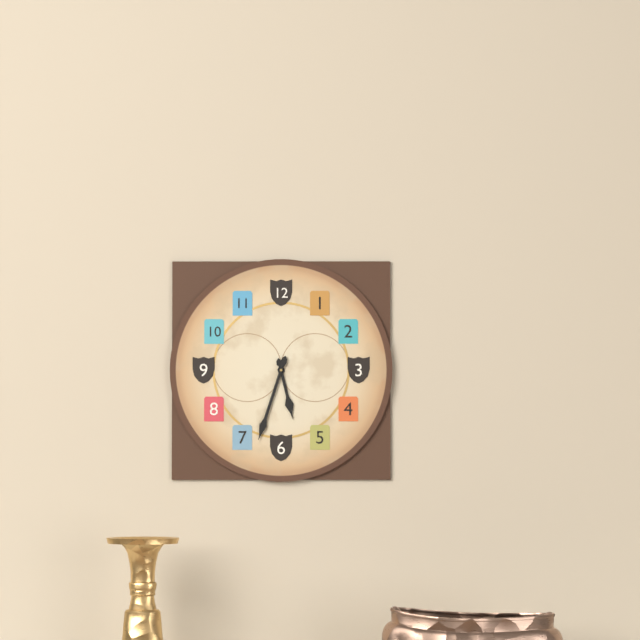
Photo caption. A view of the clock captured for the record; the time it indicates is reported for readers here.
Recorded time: 5:33
